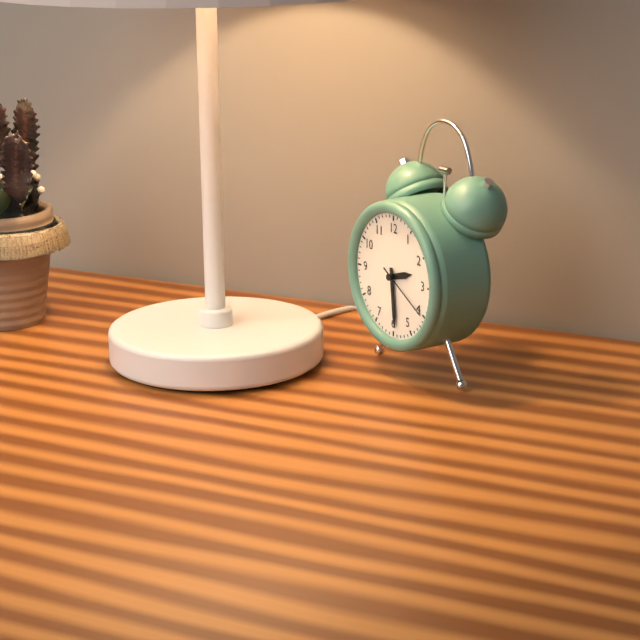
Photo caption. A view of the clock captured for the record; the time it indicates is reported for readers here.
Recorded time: 2:29:20
